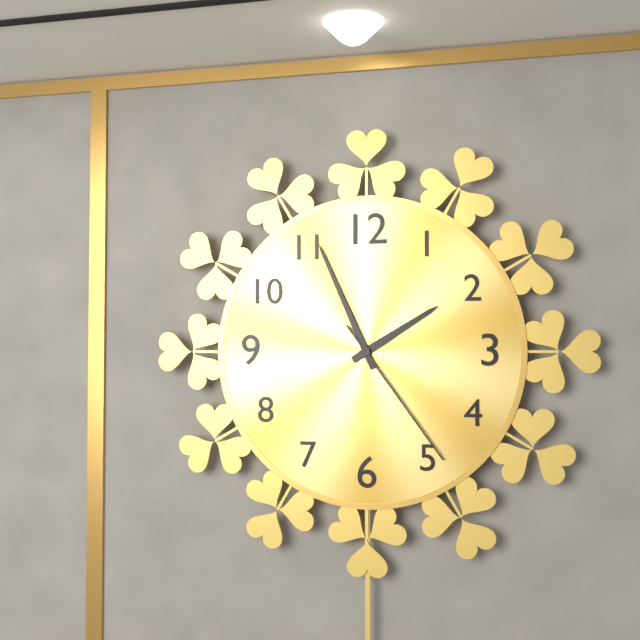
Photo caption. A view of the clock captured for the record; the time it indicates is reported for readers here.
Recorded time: 1:56:24
